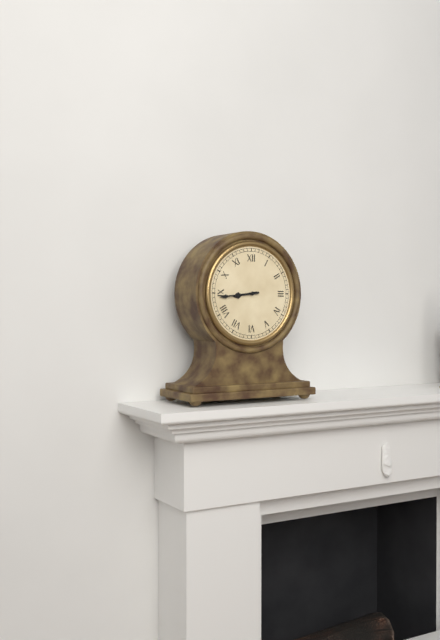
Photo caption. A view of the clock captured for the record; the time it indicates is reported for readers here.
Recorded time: 8:44
